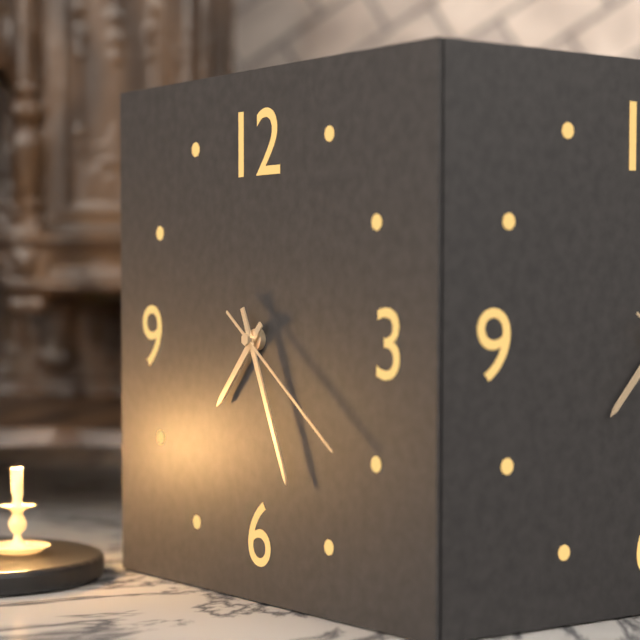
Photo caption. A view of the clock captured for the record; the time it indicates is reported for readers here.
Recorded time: 7:26:21
